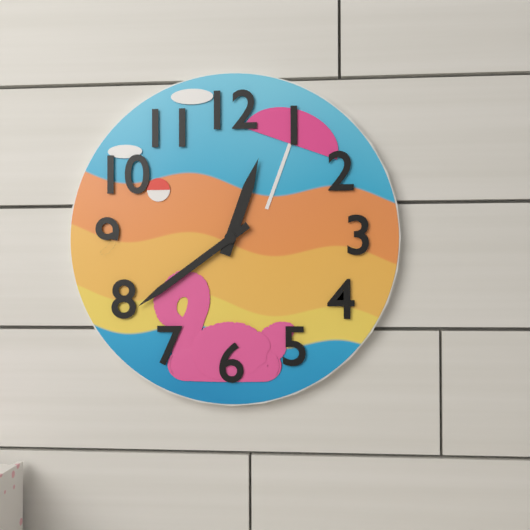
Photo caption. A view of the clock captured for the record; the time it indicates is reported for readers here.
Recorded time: 12:39
